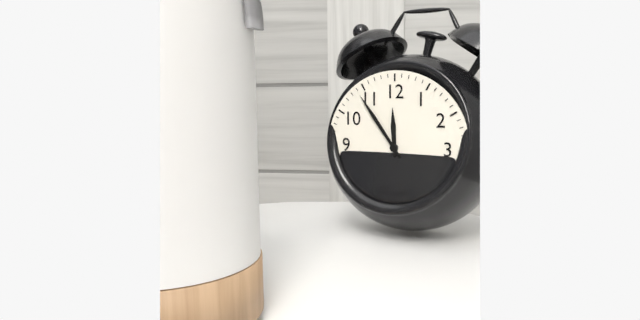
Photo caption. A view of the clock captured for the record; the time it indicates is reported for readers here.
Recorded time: 11:54
